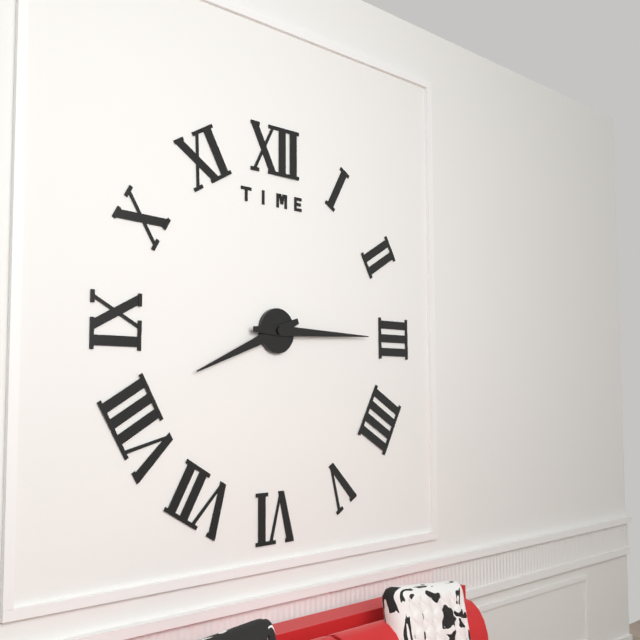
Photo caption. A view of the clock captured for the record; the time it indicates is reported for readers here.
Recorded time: 8:15
